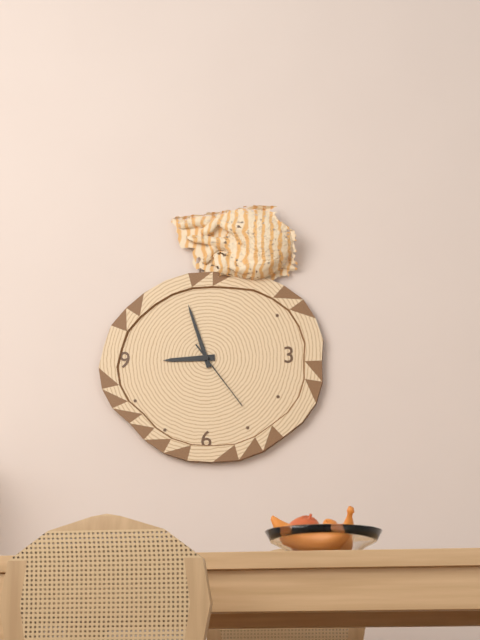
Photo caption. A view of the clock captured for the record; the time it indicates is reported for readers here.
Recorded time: 8:57:24
